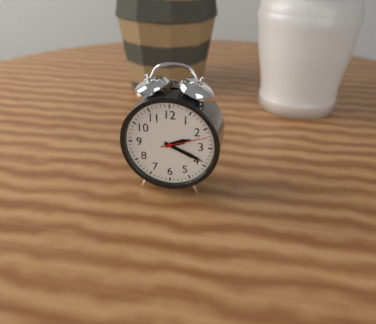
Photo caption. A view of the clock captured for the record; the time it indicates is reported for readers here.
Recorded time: 2:19
